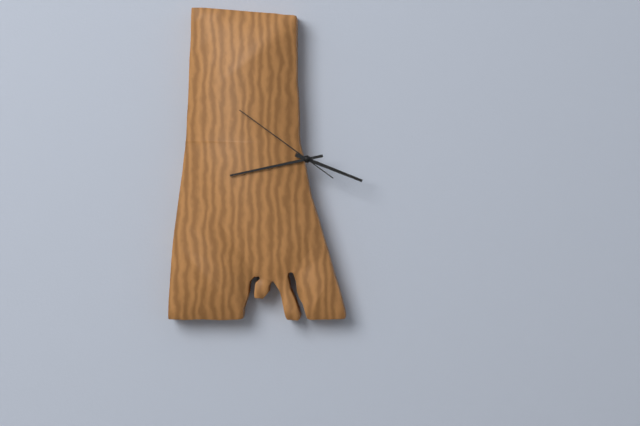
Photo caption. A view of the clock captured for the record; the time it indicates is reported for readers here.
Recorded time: 3:43:51
